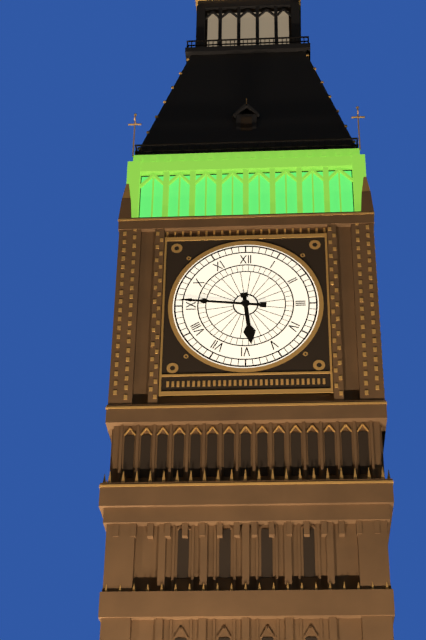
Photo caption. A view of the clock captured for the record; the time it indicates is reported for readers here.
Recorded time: 5:46
